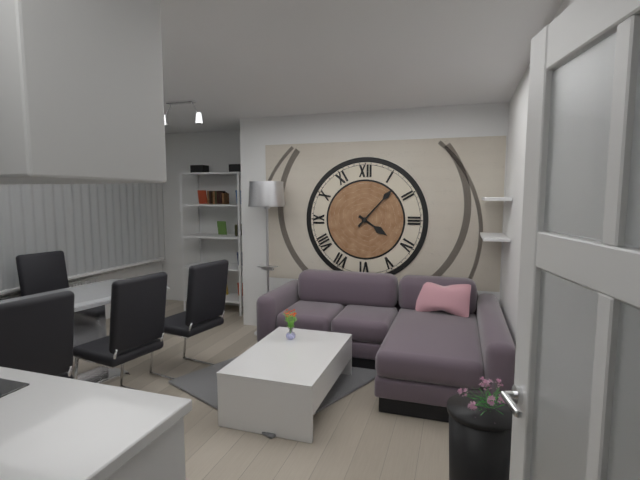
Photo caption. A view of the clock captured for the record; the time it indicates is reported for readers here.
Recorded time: 4:07
